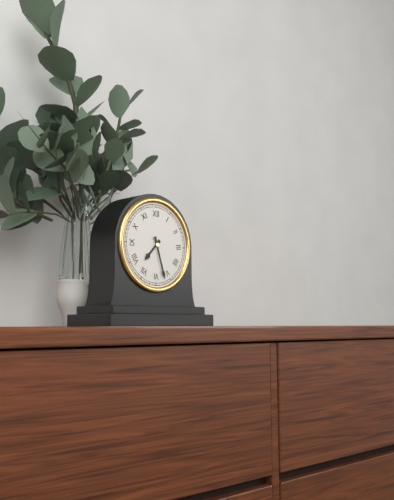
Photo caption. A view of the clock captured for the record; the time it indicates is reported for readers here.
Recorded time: 7:27
